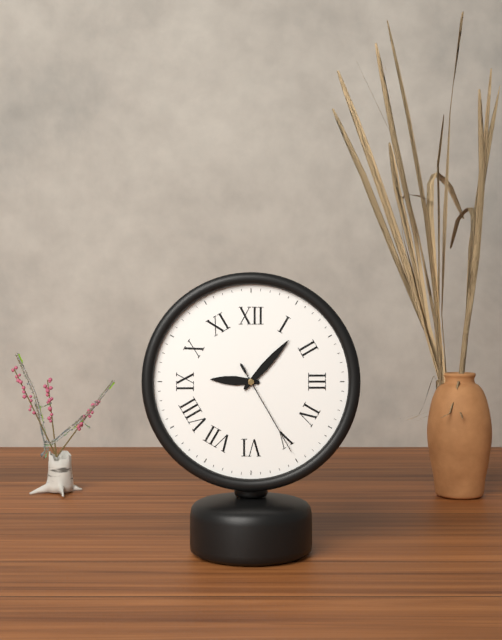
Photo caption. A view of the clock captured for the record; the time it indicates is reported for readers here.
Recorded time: 9:07:25
